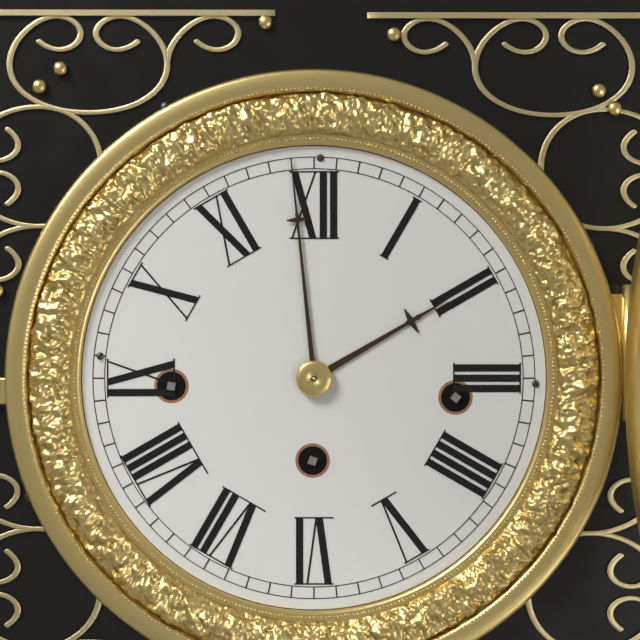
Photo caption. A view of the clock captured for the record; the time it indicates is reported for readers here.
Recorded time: 1:59
